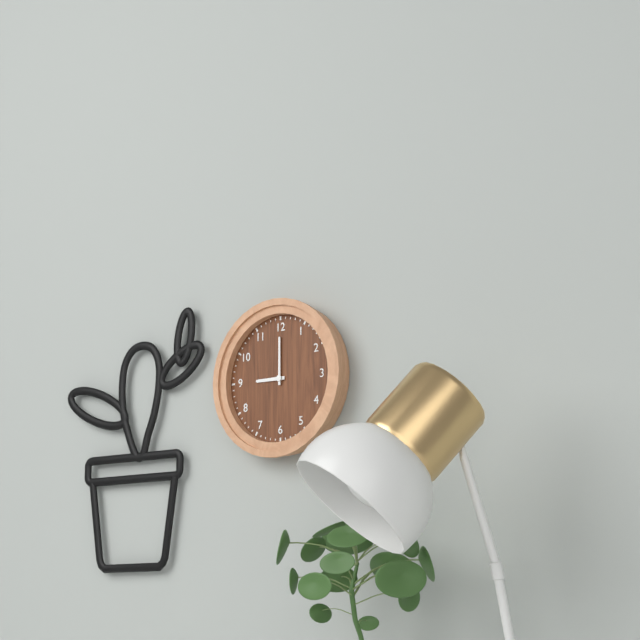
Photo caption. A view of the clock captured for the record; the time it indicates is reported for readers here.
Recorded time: 9:00
